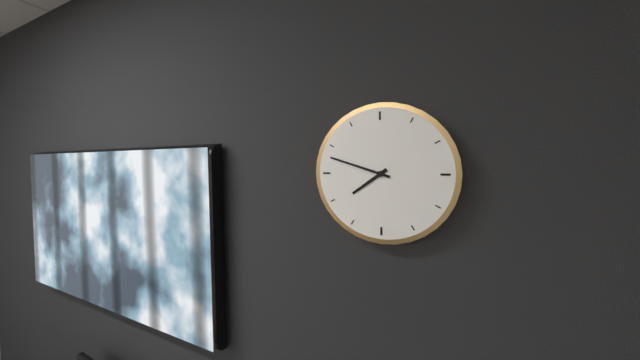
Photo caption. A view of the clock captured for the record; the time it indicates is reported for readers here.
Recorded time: 7:48
